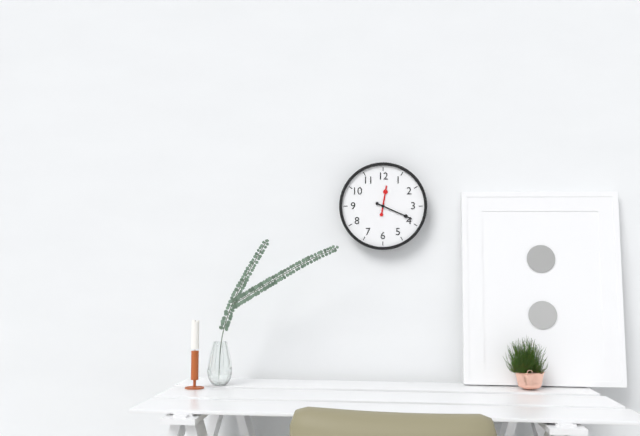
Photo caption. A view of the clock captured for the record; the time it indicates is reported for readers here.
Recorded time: 12:19
